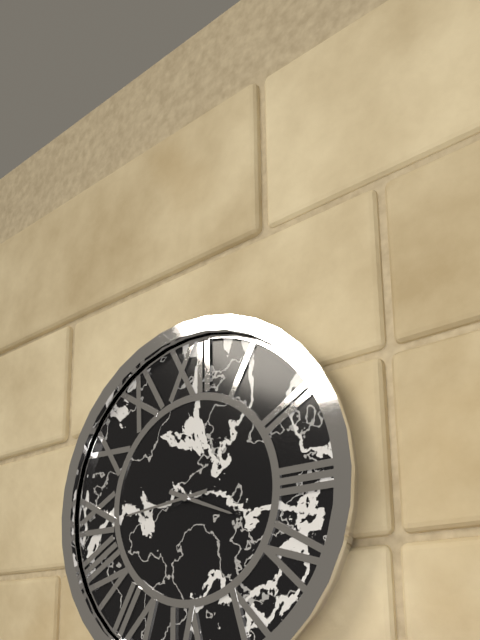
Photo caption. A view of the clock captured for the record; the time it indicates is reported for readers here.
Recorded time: 3:44
